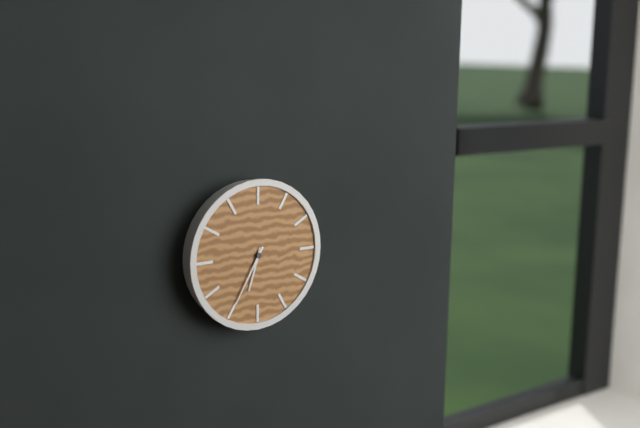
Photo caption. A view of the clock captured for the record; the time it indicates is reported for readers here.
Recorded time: 6:35
